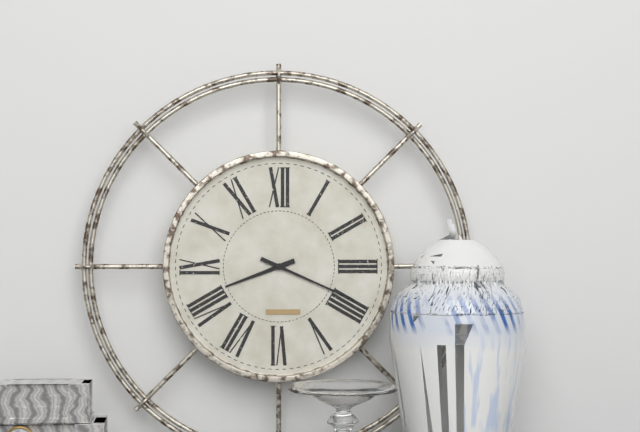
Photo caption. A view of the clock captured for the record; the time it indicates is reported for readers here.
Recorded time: 8:19
